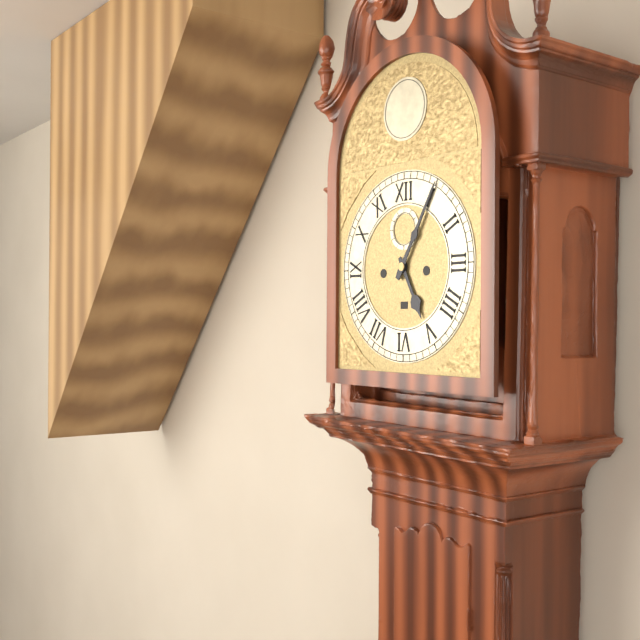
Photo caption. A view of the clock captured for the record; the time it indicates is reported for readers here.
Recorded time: 5:05
